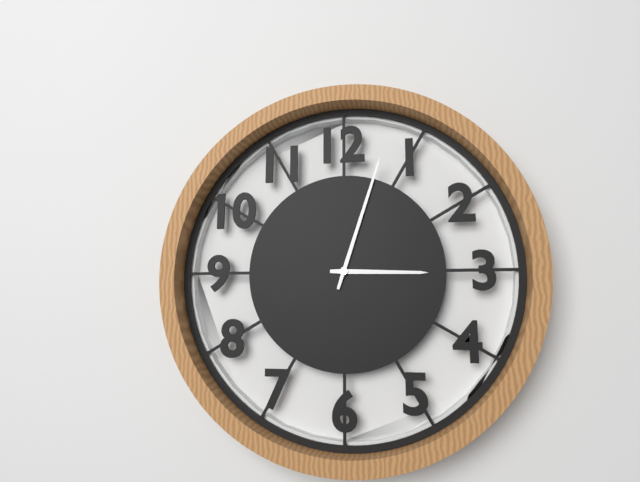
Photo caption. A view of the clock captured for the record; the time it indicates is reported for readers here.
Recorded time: 3:03
